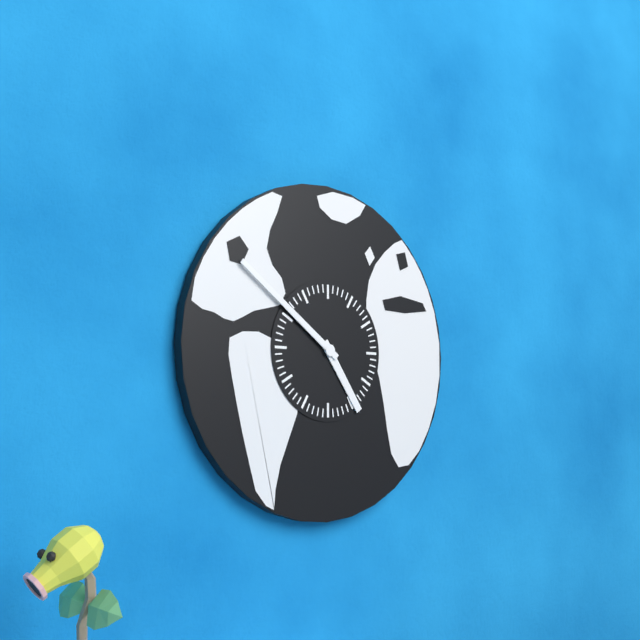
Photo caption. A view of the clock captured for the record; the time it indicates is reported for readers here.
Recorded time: 4:51
